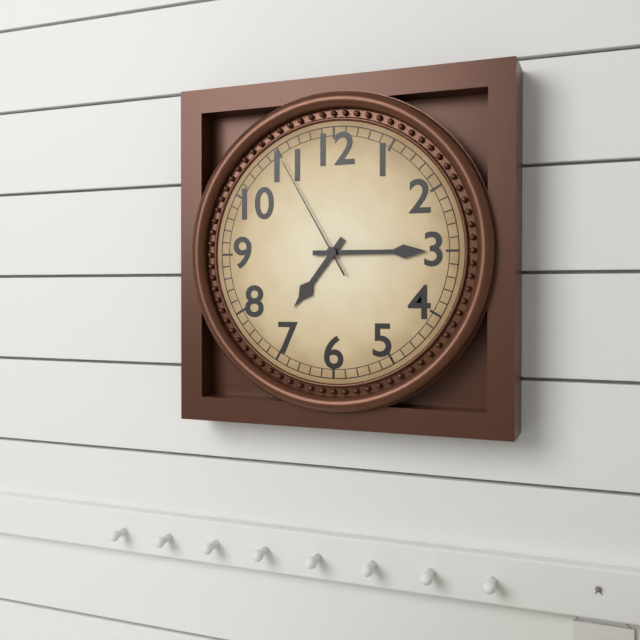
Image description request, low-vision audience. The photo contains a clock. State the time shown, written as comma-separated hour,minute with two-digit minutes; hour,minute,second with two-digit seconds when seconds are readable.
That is 7,15,55
